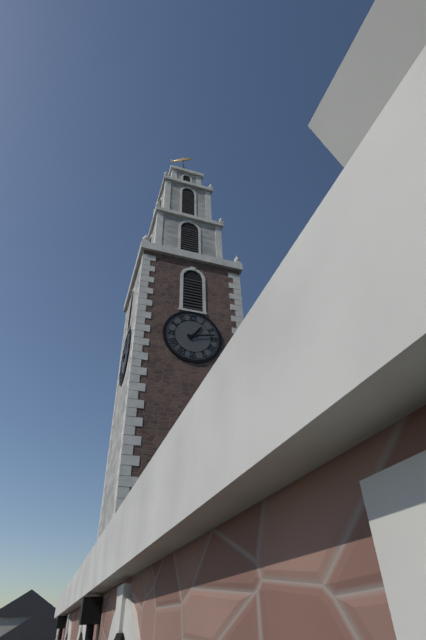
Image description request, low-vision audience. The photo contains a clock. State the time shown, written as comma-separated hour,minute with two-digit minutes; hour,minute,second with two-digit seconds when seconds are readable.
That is 1,13
